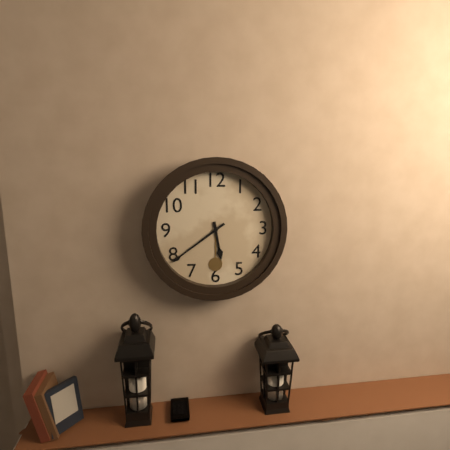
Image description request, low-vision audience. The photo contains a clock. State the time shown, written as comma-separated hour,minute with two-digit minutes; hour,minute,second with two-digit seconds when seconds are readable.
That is 5,39
